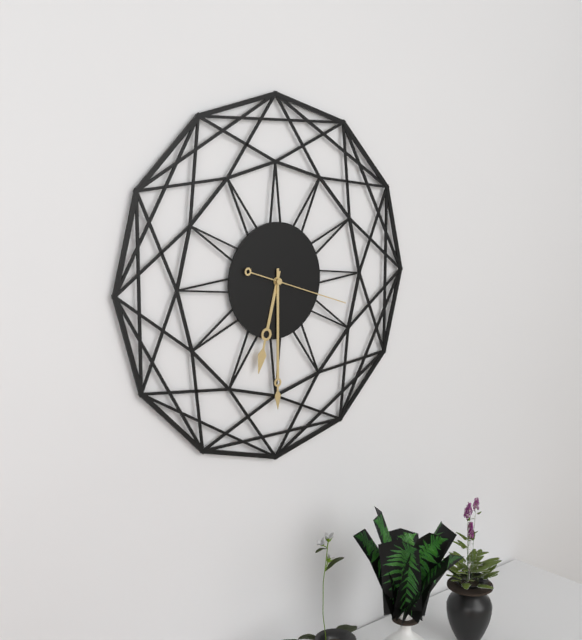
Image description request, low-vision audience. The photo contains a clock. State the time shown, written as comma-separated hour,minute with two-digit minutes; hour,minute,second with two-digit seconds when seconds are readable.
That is 6,30,18
